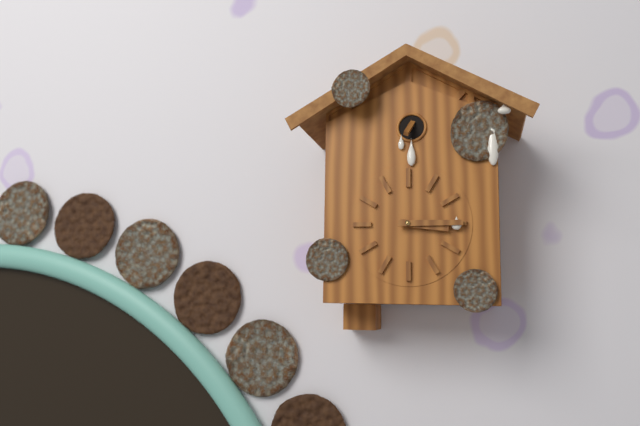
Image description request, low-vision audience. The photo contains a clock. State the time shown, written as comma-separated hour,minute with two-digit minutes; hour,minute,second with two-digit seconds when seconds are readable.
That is 3,15
